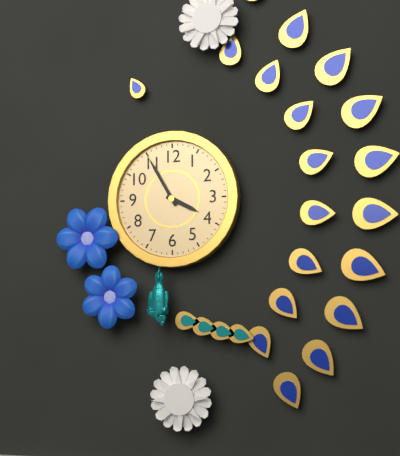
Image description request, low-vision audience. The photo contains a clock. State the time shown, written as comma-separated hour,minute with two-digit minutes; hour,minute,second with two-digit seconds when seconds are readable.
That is 3,55
